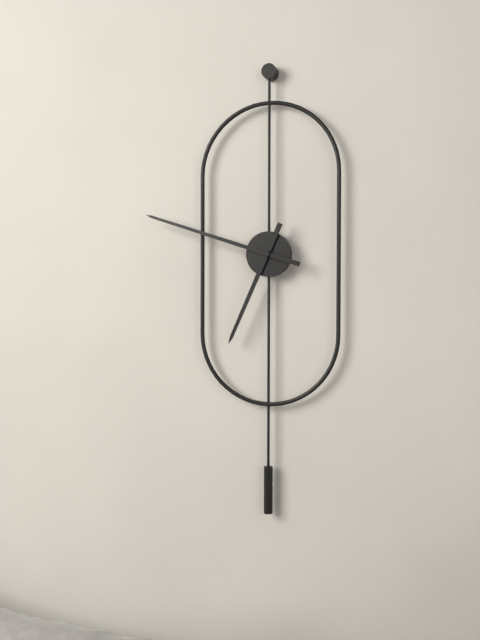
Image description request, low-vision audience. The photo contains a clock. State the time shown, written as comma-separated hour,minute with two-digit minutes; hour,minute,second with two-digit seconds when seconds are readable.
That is 6,48
